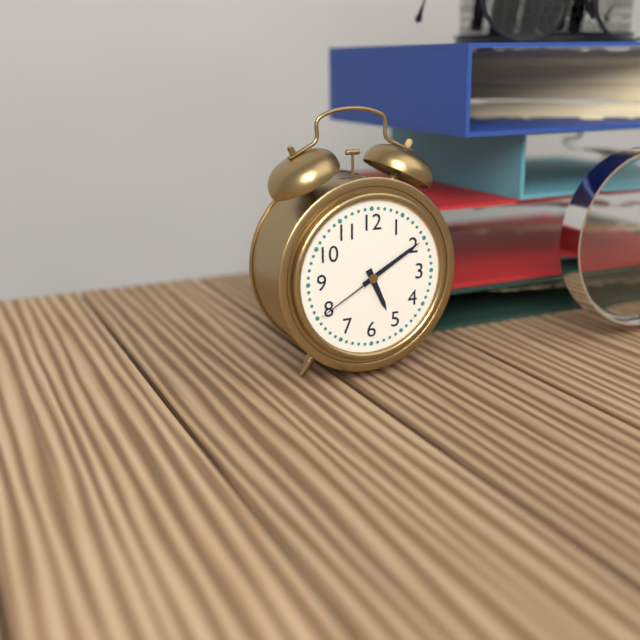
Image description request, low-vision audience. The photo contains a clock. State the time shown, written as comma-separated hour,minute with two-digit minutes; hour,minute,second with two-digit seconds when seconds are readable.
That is 5,10,40
